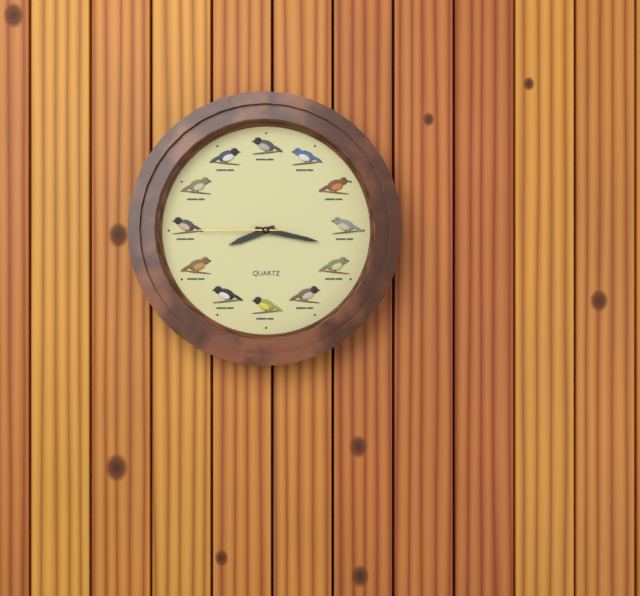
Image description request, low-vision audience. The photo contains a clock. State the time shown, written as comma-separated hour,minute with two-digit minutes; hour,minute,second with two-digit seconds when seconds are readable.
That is 8,17,45
